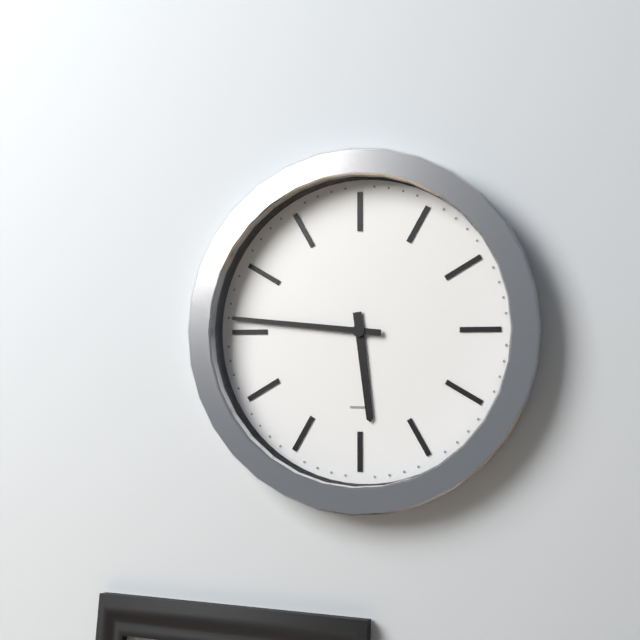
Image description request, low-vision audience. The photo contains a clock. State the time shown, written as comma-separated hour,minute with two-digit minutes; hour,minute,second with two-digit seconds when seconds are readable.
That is 5,46
